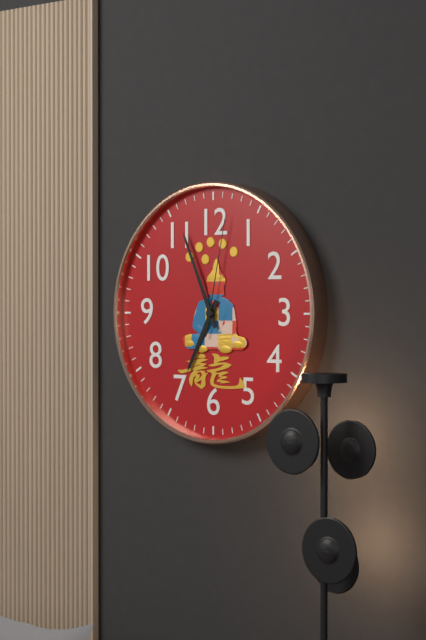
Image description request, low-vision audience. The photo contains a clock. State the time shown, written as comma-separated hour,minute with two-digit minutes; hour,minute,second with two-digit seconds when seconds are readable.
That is 6,56,02
